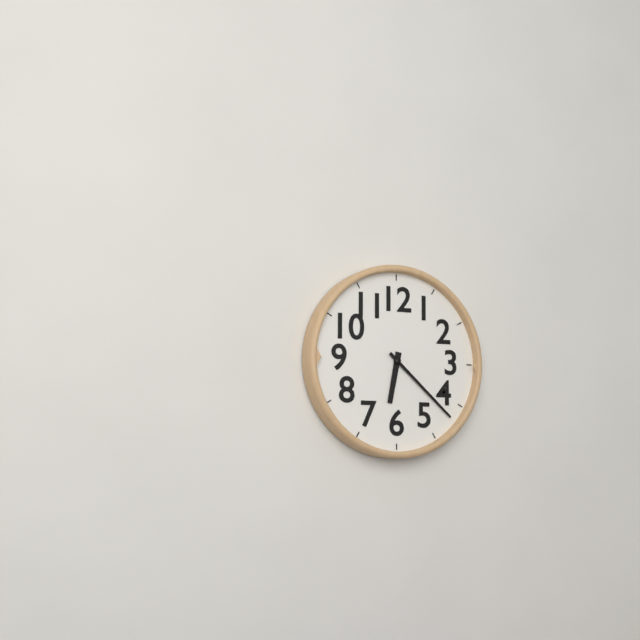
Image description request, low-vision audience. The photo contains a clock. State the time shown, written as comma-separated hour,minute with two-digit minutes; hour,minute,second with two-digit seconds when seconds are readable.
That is 6,22
